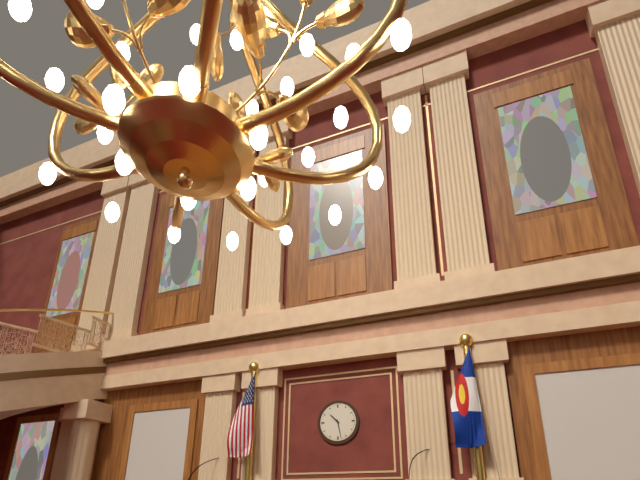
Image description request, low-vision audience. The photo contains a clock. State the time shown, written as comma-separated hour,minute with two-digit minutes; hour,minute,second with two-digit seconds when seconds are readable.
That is 10,28
